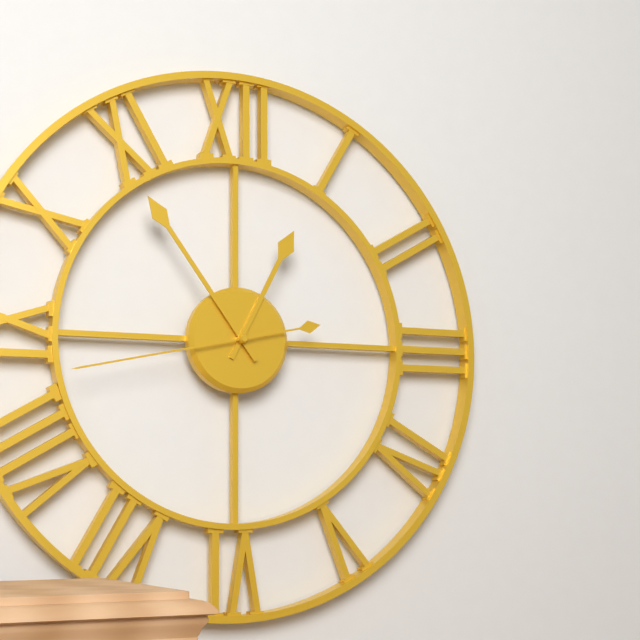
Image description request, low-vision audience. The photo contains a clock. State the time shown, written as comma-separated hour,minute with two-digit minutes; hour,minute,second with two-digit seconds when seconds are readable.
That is 12,54,43
